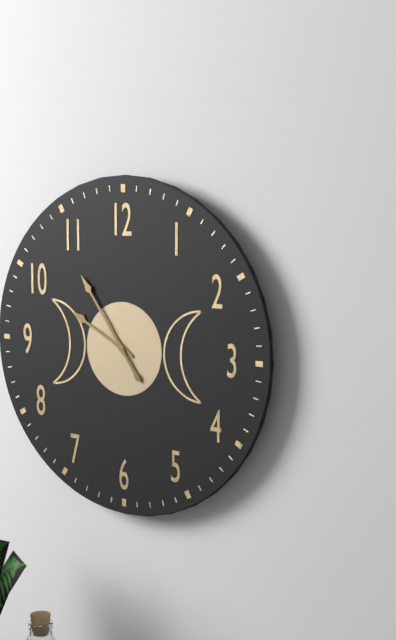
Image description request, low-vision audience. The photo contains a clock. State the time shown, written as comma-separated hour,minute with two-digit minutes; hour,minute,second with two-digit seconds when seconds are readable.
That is 9,54
